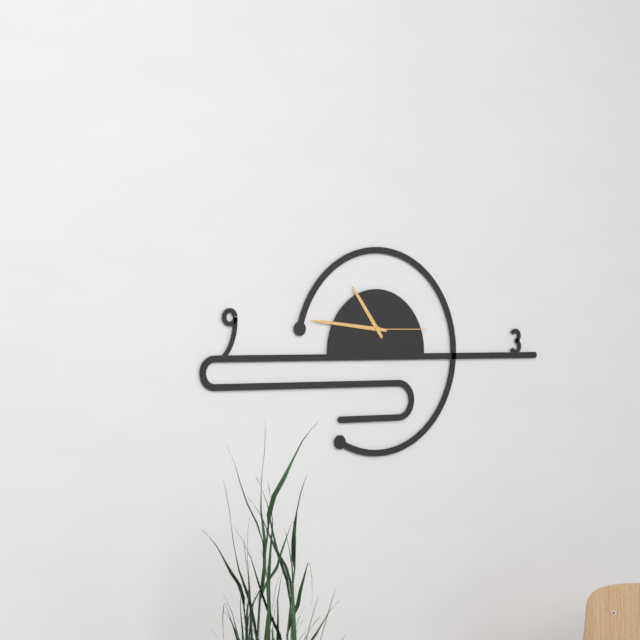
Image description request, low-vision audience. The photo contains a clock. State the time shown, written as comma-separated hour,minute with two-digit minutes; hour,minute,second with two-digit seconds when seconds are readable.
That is 10,46,15
